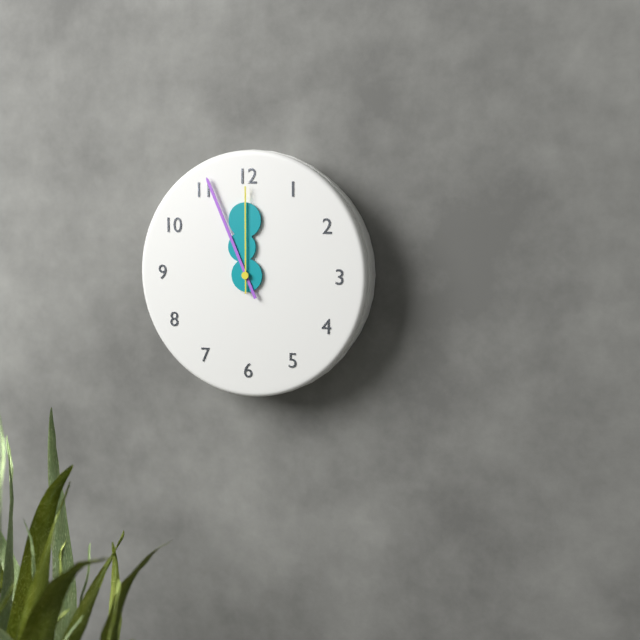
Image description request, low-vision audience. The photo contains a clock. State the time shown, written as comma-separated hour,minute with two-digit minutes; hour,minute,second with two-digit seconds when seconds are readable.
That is 11,56,00
